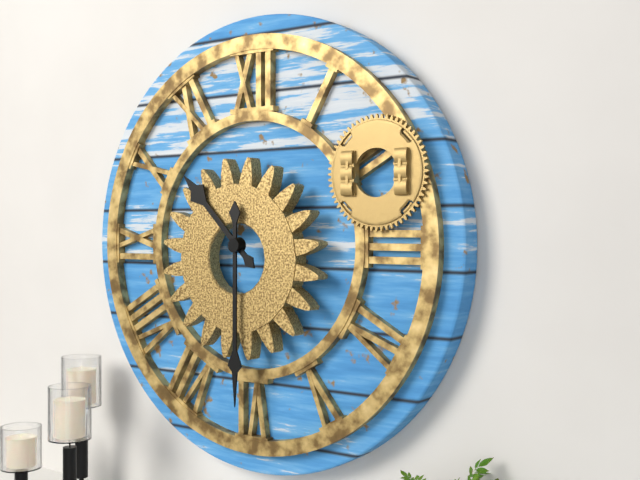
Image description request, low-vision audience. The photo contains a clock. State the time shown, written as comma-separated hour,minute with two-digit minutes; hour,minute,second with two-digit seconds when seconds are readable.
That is 10,30
